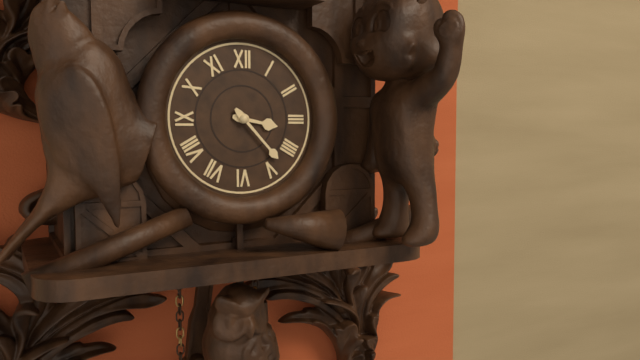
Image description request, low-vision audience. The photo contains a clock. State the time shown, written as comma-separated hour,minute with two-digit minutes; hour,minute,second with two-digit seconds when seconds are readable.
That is 3,23
